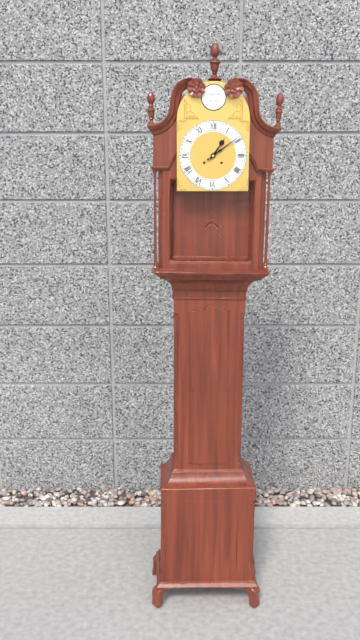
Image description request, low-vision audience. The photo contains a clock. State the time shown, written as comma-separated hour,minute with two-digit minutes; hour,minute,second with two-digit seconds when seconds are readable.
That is 1,09
